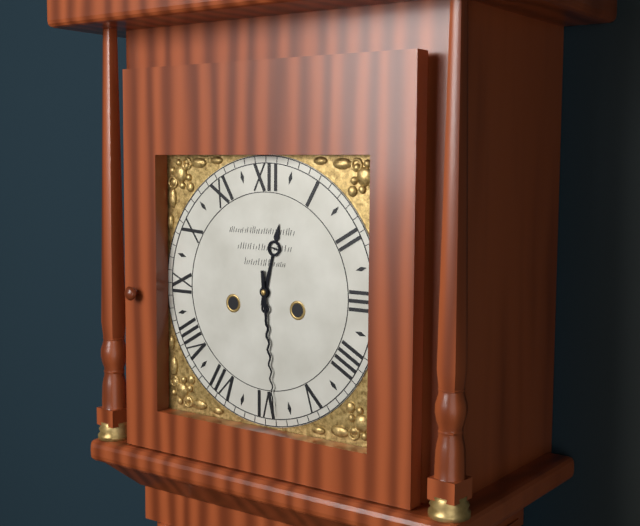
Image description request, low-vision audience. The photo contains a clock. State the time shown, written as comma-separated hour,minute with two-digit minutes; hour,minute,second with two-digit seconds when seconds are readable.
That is 12,29
